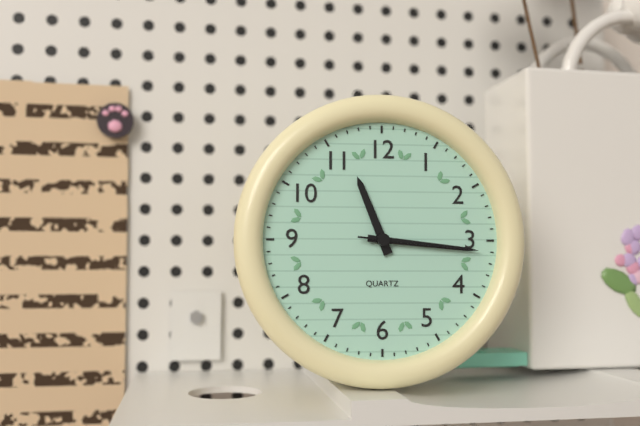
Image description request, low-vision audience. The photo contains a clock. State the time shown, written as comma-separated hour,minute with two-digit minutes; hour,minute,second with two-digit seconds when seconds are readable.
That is 11,16,16
